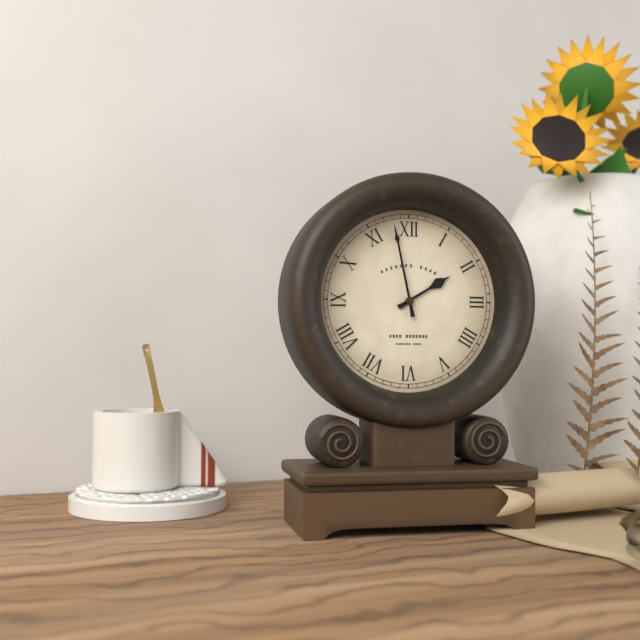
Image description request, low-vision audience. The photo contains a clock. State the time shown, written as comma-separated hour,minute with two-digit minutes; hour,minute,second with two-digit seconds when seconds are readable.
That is 1,58
